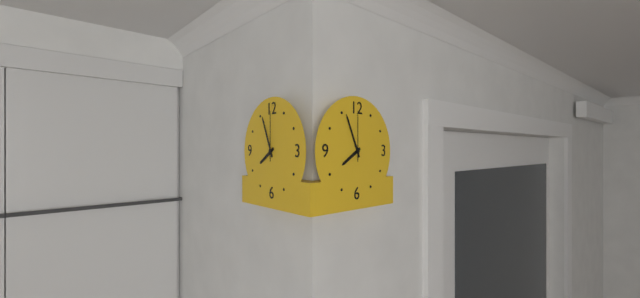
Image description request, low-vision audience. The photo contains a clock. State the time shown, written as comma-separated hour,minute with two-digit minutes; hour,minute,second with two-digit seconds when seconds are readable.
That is 7,56,00
